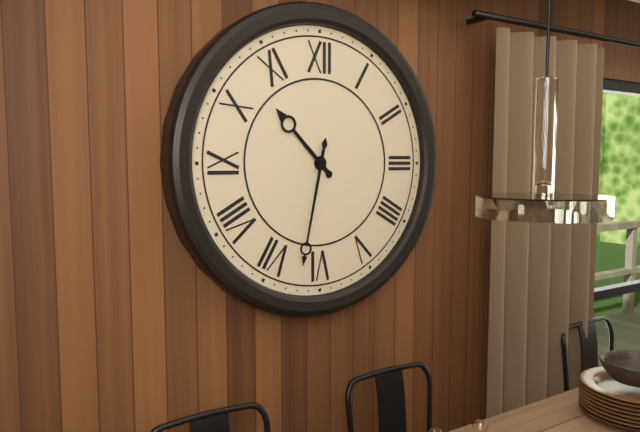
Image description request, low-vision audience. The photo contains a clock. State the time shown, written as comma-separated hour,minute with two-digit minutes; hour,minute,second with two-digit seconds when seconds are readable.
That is 10,32
